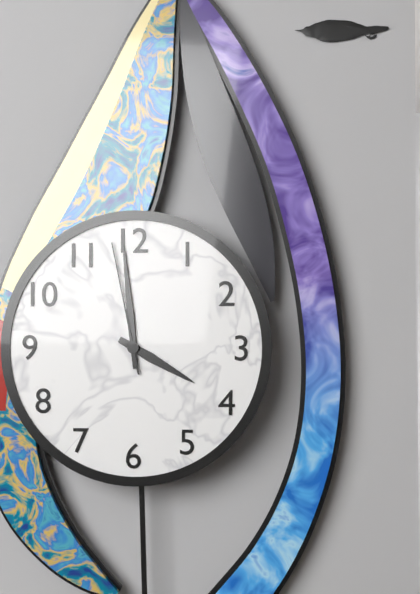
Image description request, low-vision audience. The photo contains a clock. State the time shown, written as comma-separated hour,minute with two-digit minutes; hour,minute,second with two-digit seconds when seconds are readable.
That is 3,59,58
